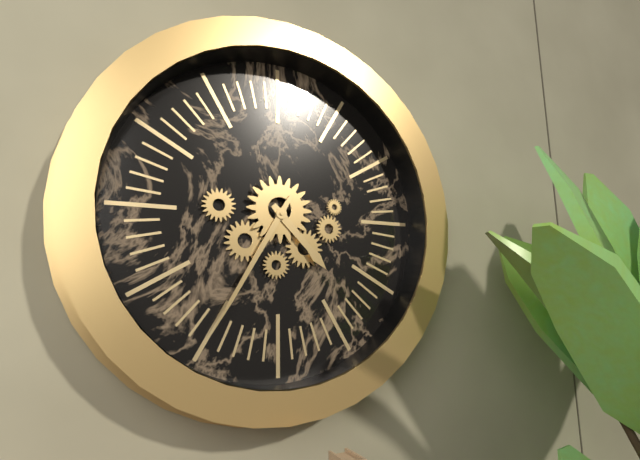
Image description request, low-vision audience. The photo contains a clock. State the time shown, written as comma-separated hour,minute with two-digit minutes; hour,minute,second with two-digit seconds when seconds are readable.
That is 4,35
